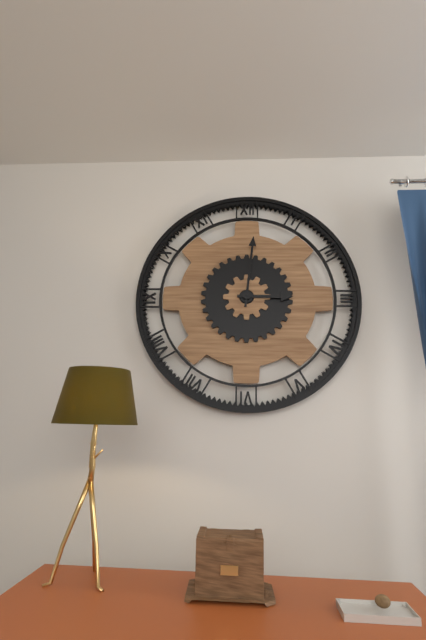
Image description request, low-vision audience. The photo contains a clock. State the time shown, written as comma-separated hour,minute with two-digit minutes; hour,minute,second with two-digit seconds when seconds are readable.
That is 3,01
